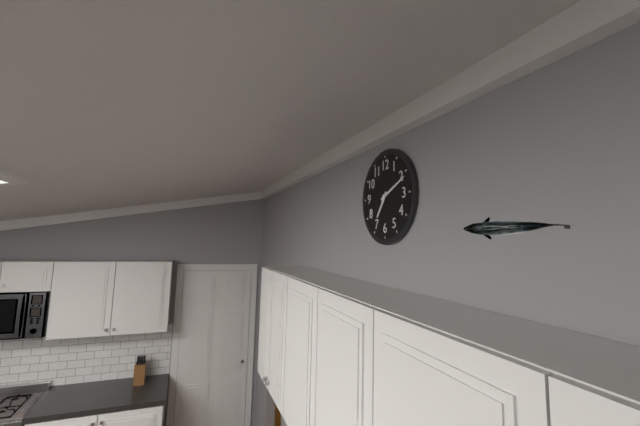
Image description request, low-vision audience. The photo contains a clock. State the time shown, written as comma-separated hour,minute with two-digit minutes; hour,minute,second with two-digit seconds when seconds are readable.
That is 7,11
